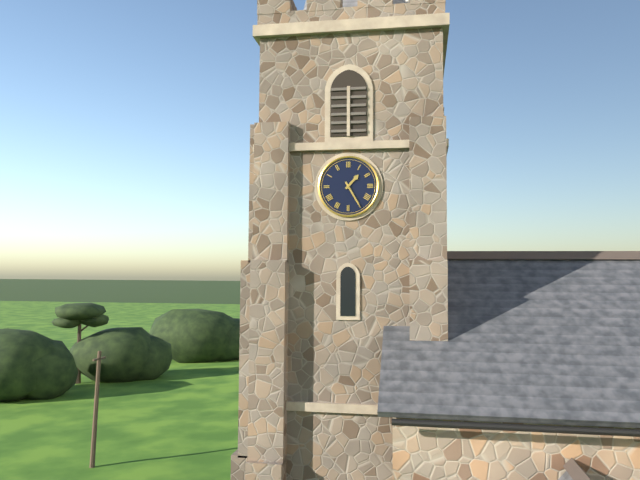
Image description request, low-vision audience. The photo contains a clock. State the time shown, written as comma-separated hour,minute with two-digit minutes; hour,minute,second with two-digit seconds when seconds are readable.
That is 1,25
